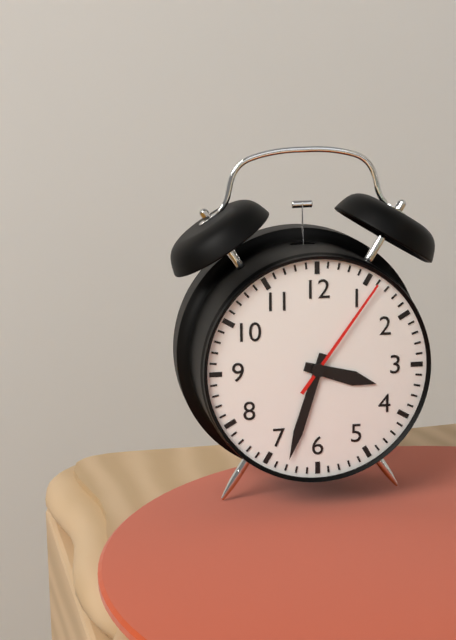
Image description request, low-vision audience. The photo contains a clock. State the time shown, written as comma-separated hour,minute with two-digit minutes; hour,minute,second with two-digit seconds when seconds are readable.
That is 3,33,06
